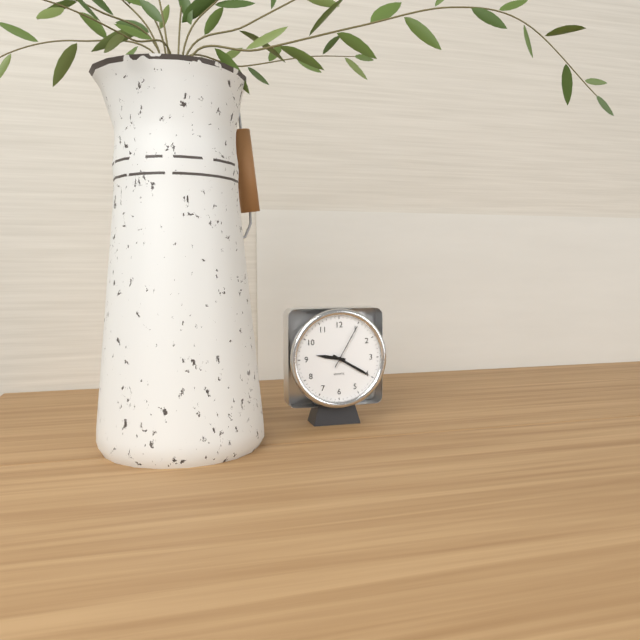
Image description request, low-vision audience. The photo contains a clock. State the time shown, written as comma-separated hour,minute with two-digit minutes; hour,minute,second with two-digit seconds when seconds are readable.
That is 9,20
